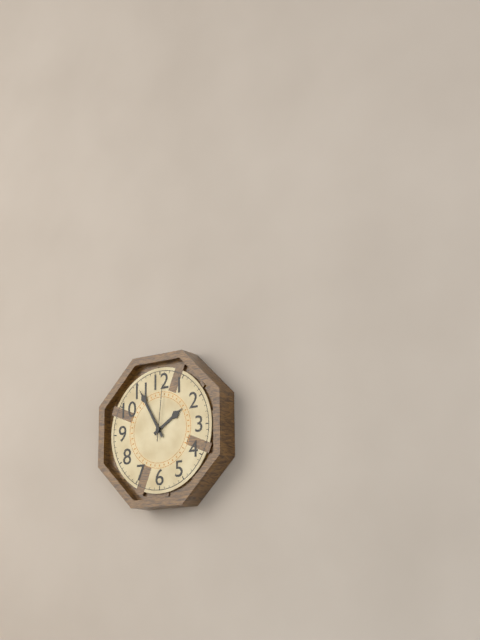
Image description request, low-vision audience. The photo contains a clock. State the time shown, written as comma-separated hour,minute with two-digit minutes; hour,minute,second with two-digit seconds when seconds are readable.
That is 1,55,01
